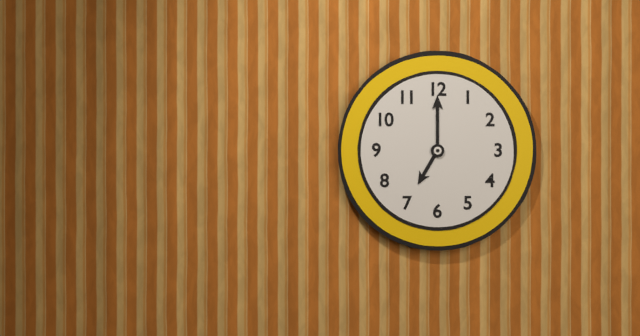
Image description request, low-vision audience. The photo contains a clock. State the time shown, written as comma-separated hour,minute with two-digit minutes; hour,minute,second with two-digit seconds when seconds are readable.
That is 7,00
